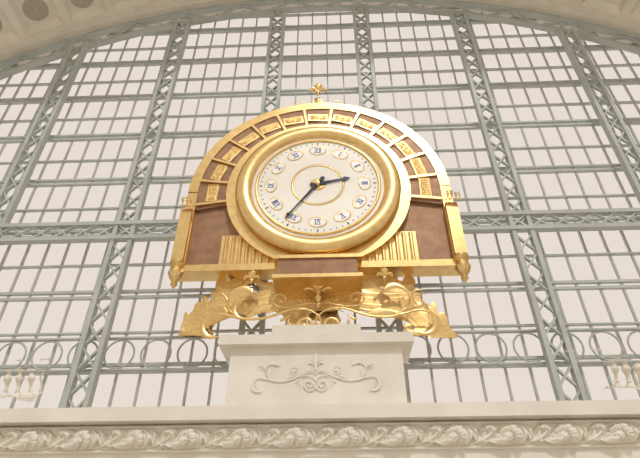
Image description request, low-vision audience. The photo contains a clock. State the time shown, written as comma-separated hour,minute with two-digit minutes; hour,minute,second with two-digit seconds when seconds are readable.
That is 2,36
